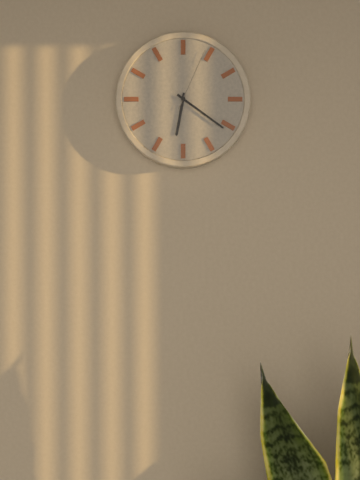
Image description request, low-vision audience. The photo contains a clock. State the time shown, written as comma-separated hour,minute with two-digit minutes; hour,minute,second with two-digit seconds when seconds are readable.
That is 6,21,04
